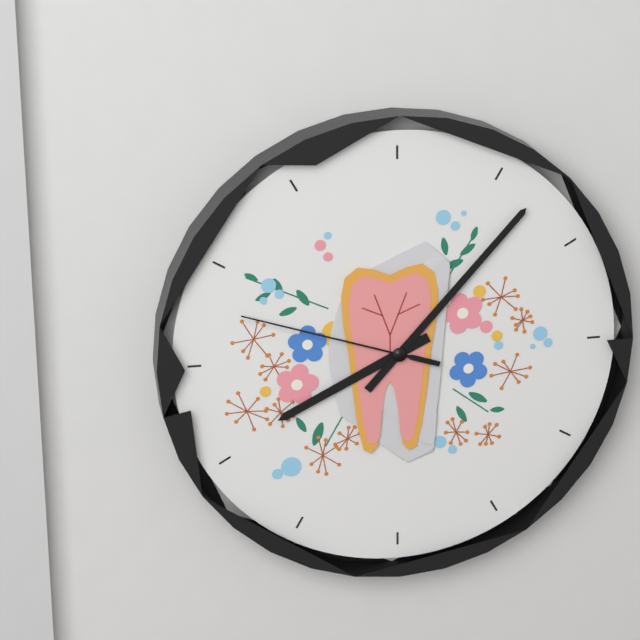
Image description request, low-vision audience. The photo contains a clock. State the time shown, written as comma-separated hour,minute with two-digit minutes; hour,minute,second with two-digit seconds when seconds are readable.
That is 8,07,48
